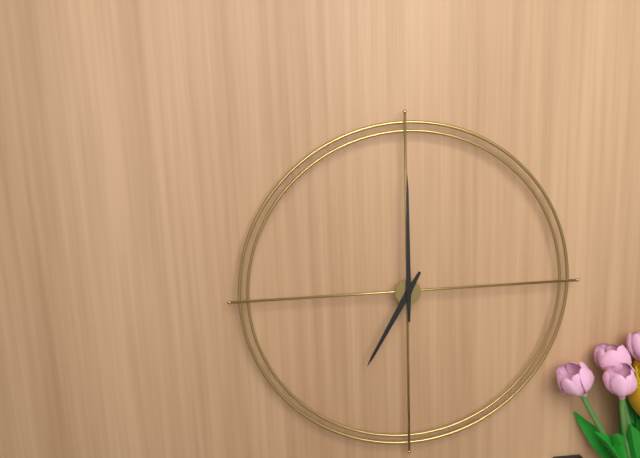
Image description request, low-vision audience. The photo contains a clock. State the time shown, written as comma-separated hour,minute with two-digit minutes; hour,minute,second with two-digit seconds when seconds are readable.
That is 7,00
